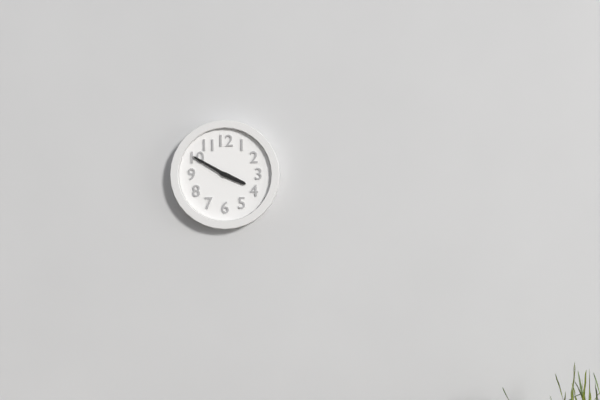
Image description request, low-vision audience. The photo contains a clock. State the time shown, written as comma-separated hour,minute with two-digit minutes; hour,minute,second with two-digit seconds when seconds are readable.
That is 3,50
